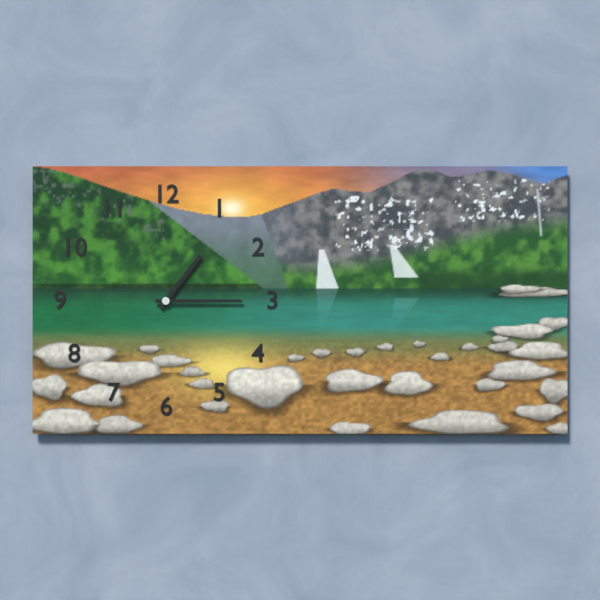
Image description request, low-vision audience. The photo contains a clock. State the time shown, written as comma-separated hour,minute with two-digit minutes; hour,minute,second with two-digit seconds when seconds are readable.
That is 1,15
